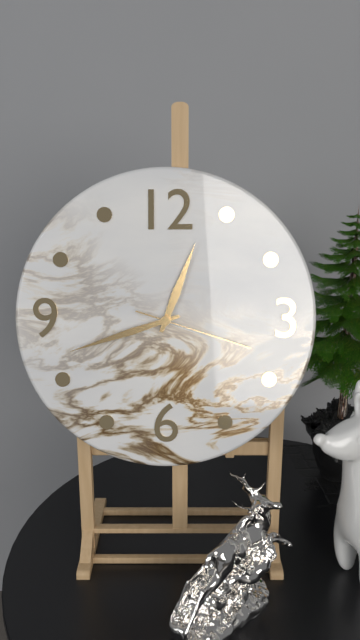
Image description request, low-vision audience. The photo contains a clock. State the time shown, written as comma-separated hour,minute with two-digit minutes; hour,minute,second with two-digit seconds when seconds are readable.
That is 12,42,18
